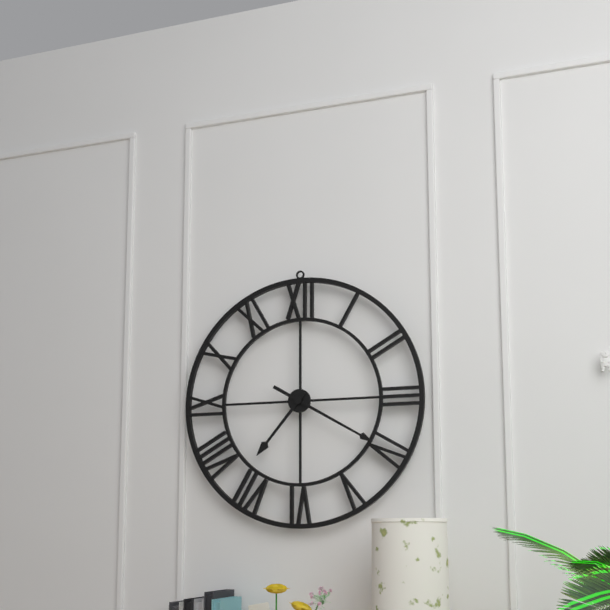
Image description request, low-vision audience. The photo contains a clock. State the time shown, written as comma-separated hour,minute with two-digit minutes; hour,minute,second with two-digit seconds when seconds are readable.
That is 7,20
